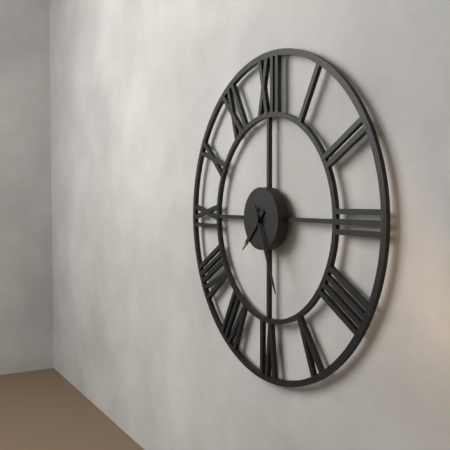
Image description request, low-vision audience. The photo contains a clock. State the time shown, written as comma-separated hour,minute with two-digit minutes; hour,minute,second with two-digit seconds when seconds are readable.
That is 7,26
